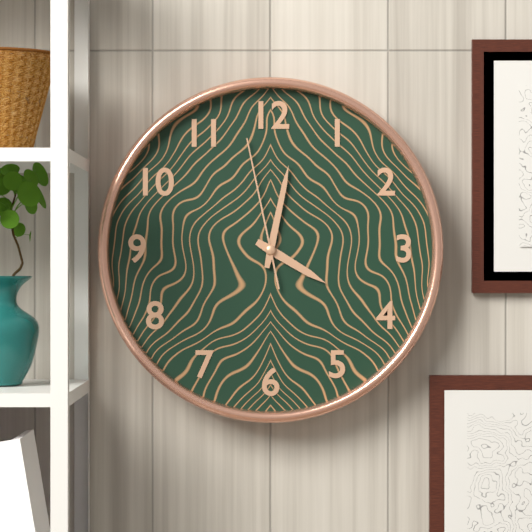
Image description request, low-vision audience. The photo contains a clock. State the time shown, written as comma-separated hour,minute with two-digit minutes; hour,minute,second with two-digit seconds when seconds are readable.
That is 4,02,58
